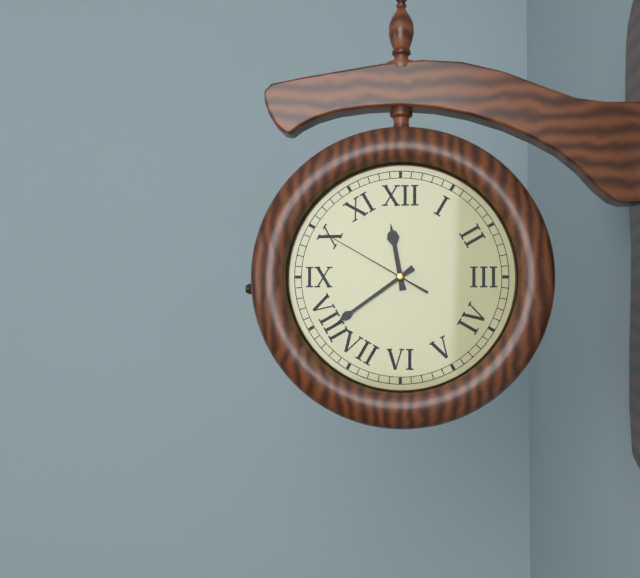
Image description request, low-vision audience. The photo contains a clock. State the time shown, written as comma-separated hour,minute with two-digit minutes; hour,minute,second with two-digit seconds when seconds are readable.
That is 11,39,50
